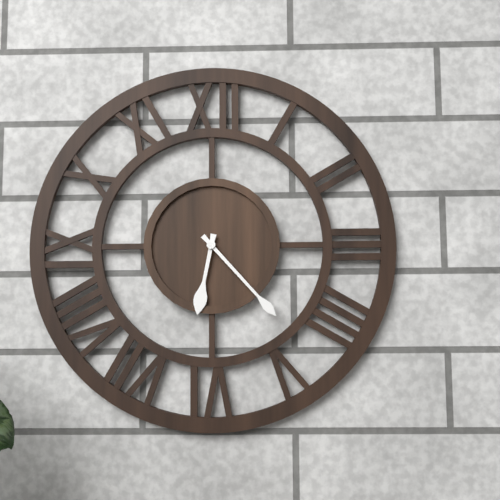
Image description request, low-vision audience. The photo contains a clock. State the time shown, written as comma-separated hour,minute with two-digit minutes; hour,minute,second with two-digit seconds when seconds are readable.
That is 6,23
